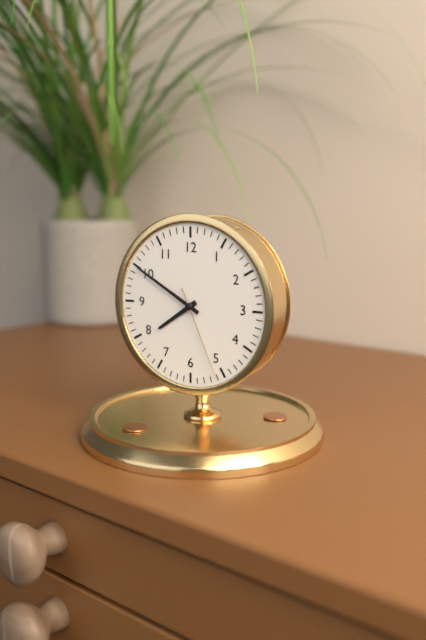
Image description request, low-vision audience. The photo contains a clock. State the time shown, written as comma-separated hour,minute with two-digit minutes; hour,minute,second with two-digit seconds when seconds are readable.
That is 7,50,26
